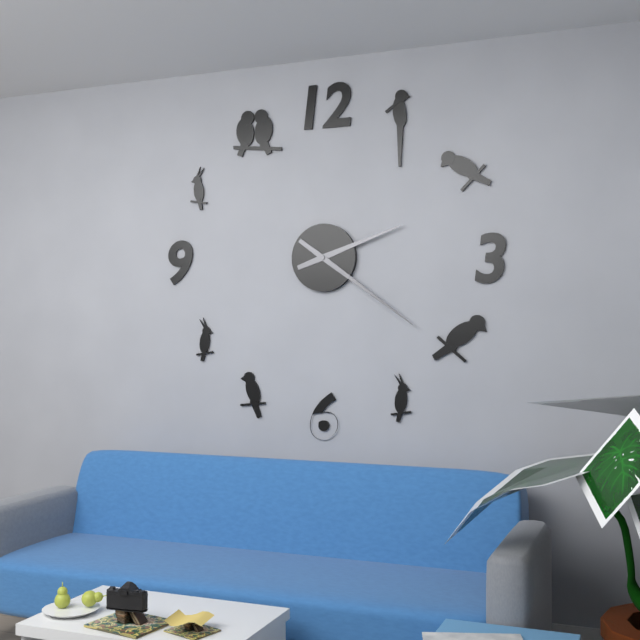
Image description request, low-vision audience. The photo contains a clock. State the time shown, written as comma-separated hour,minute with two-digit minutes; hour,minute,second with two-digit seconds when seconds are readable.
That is 2,21
